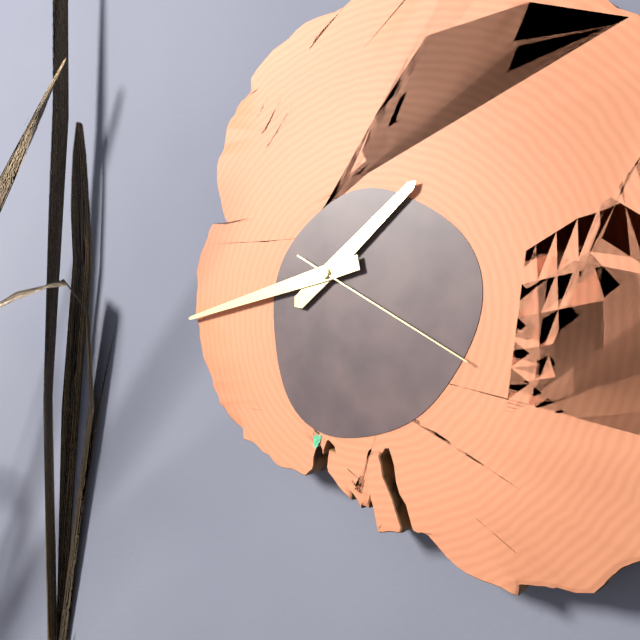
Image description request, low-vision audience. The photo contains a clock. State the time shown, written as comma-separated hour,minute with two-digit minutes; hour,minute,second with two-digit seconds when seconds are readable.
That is 1,43,20
